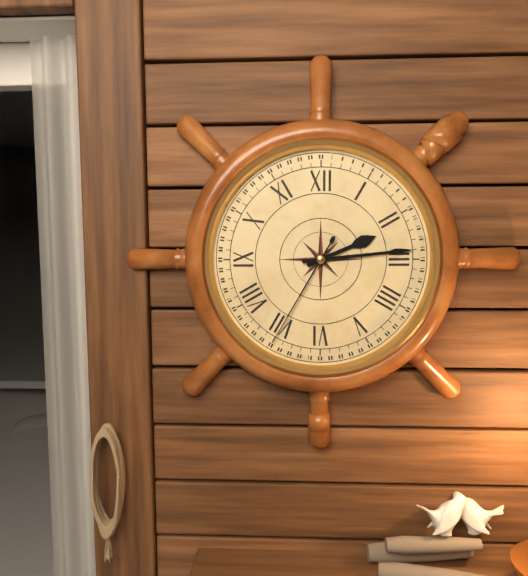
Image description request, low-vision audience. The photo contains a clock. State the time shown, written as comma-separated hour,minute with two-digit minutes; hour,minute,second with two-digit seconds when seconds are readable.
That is 2,14,35
